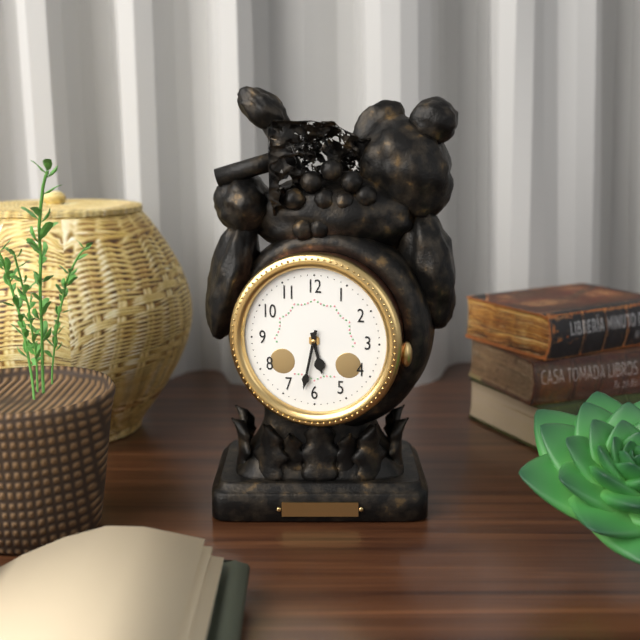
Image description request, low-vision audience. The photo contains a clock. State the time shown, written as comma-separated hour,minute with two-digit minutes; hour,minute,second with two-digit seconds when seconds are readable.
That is 5,32
